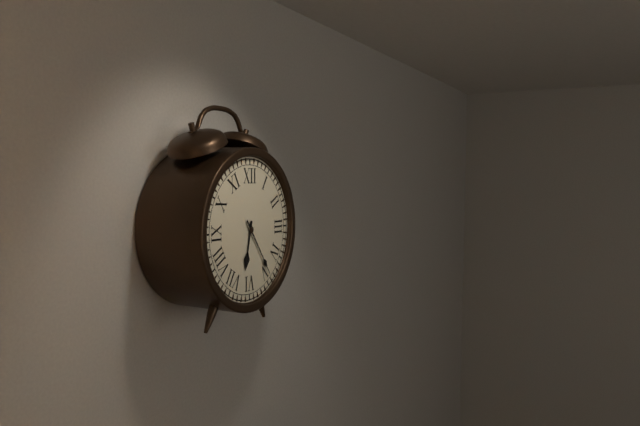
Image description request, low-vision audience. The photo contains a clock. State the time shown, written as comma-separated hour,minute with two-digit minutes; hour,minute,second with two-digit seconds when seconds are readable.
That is 6,24
